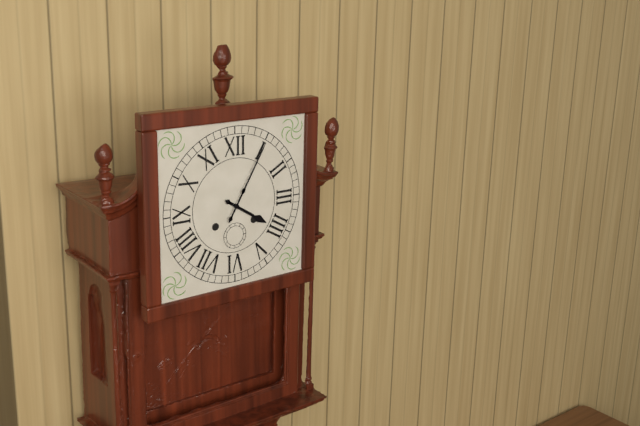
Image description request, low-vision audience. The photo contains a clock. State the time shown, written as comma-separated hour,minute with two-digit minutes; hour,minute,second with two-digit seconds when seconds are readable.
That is 4,05
